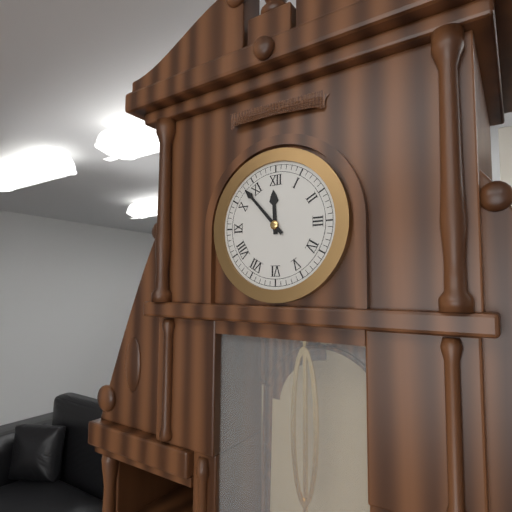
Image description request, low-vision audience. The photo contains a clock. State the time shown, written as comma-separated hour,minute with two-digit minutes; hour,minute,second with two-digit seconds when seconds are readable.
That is 11,53
